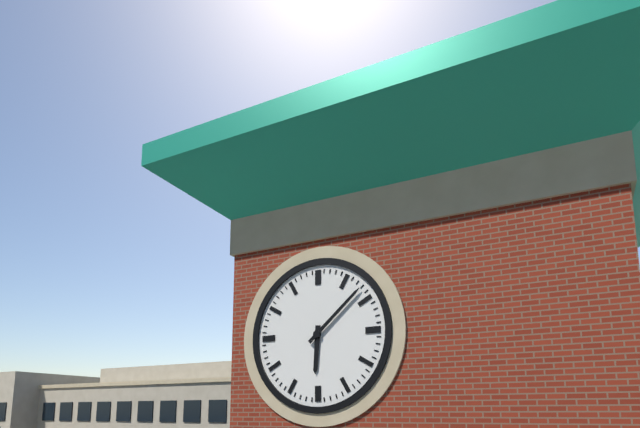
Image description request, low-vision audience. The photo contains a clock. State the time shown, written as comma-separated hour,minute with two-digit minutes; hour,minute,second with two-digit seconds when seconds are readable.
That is 6,08
